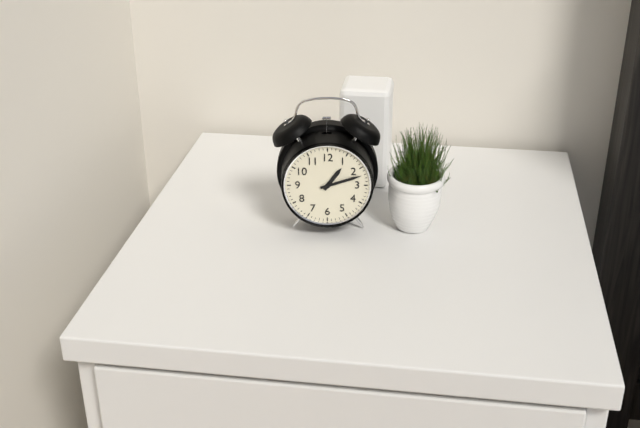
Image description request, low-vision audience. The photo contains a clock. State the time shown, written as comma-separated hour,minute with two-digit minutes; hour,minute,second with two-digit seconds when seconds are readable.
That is 1,12
